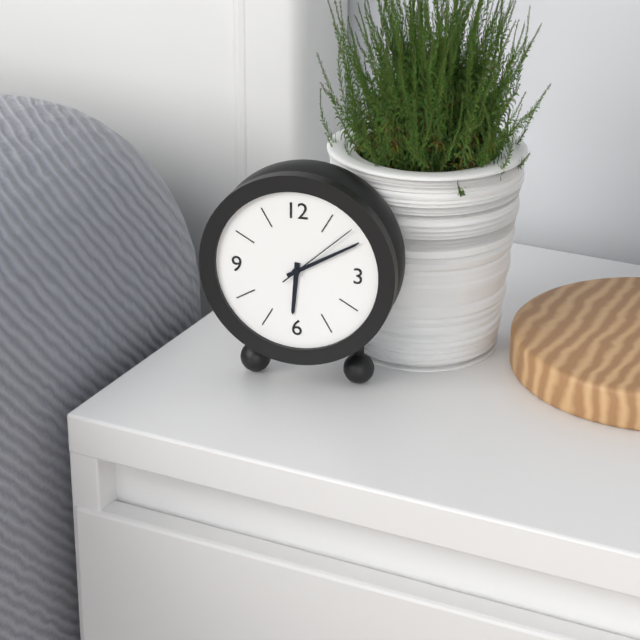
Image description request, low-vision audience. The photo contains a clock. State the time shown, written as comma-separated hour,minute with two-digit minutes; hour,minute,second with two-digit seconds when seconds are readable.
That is 6,10,08
